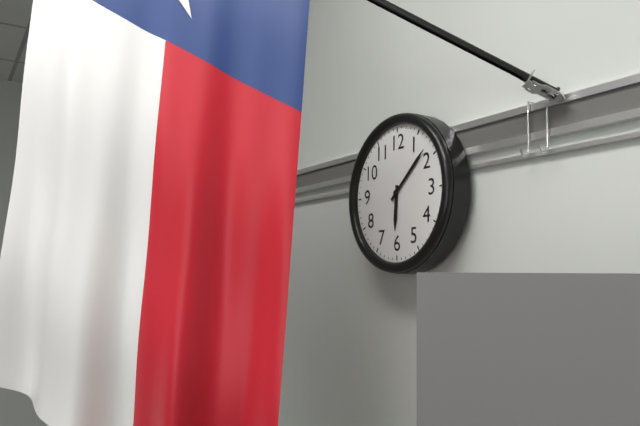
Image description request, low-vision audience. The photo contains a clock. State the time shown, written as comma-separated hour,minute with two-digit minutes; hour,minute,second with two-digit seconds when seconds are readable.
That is 6,08
